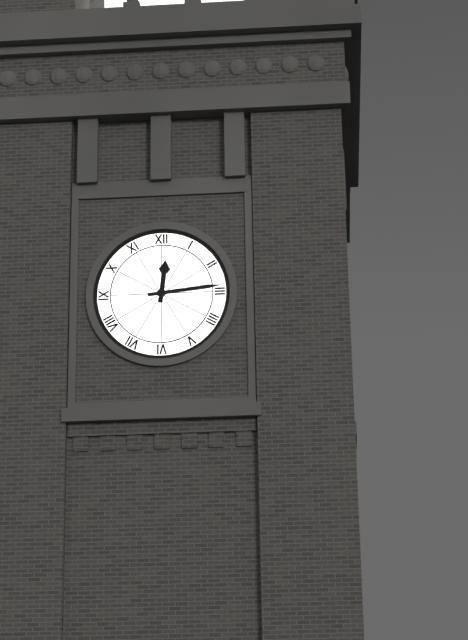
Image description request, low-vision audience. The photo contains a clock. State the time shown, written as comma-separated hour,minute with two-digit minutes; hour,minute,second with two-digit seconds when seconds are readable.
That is 12,14
